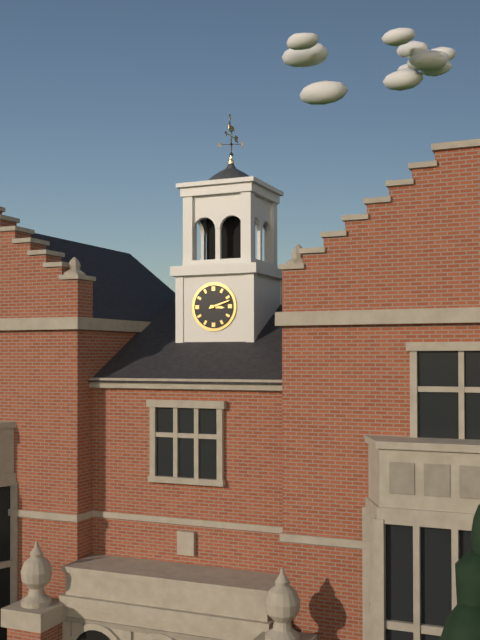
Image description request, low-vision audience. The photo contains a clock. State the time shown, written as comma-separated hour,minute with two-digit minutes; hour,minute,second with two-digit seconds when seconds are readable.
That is 3,12
